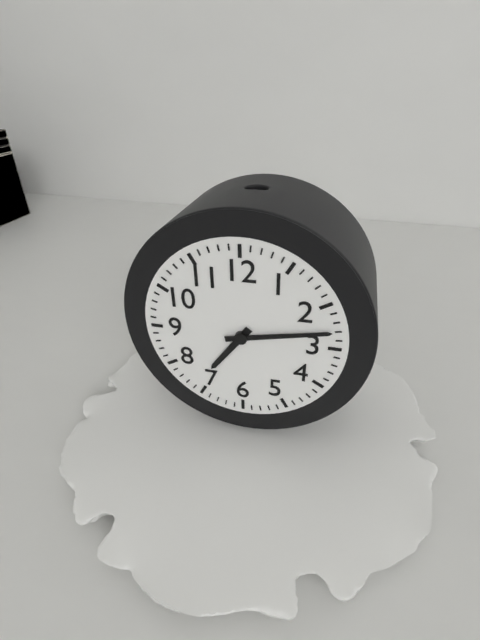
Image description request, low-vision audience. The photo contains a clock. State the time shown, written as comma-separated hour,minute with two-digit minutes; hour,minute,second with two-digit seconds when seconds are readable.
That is 7,13
